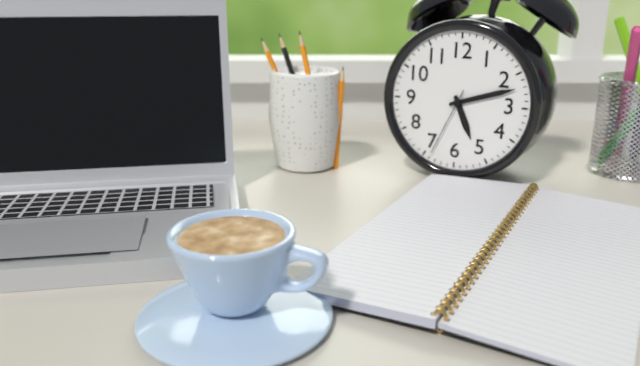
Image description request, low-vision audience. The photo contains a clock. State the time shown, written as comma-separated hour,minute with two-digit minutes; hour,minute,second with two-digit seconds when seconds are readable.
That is 5,12,34
